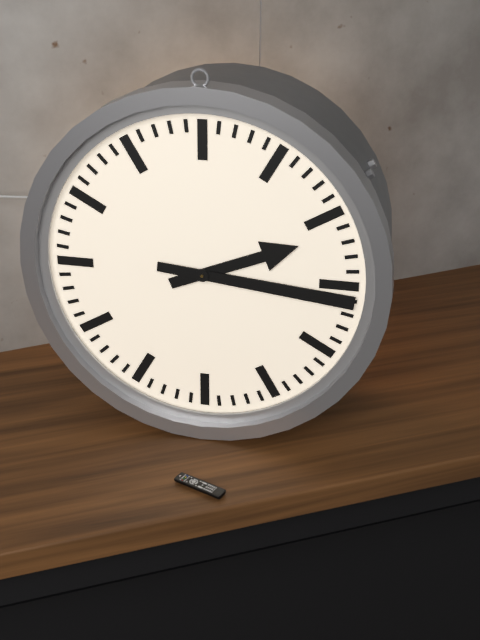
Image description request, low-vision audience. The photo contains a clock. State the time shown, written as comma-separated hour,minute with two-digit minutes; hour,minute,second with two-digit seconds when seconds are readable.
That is 2,16
